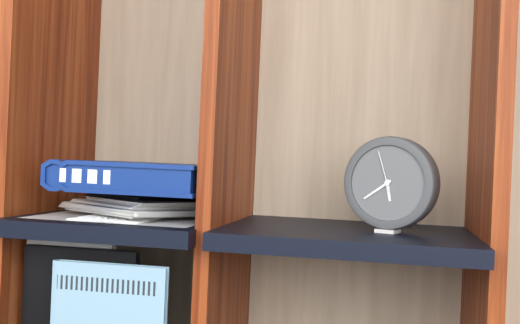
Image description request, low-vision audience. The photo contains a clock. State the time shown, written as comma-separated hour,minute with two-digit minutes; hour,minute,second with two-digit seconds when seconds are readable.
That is 5,39
